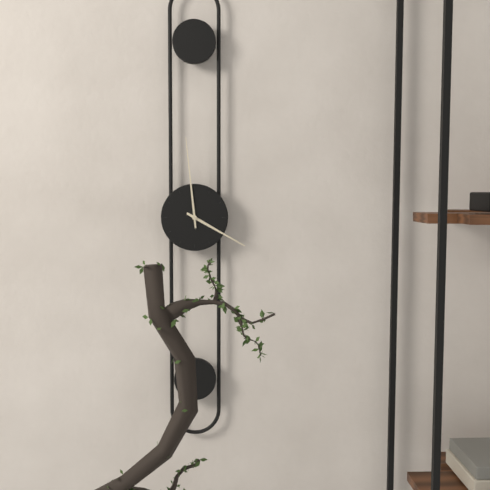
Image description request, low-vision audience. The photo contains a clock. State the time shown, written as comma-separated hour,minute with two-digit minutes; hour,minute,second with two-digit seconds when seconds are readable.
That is 3,59
